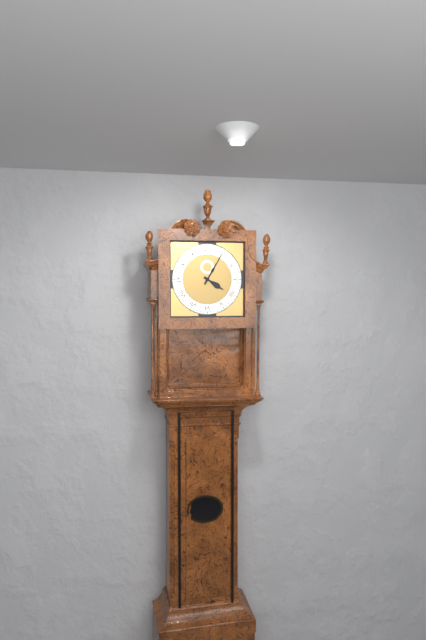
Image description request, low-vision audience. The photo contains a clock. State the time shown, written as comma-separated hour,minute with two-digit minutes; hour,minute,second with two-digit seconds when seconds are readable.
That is 4,05
